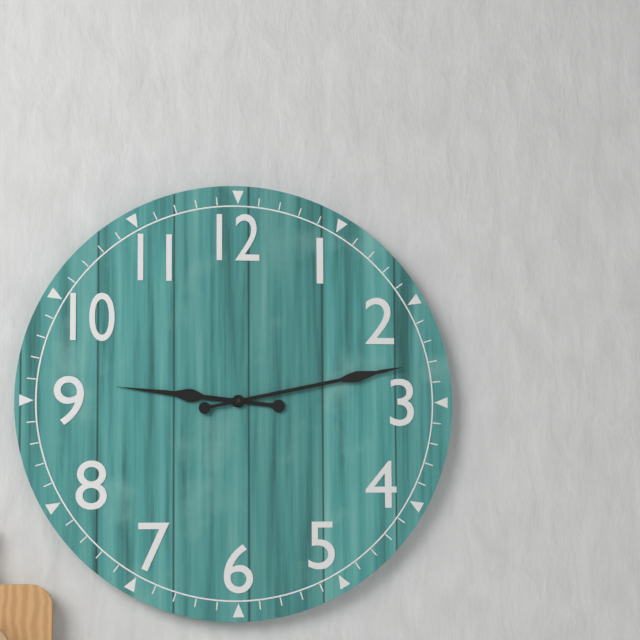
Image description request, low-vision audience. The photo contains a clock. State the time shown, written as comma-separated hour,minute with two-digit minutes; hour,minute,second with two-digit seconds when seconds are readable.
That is 9,13
